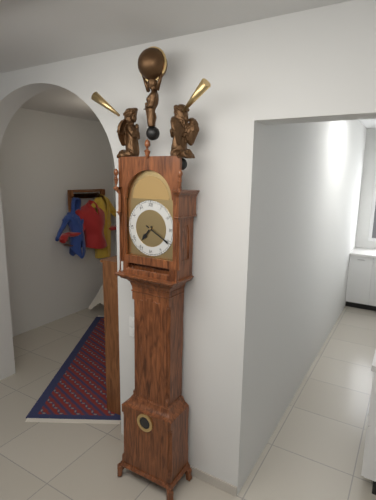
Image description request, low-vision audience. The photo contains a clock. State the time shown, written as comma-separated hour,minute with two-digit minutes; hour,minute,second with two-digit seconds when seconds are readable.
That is 7,20
